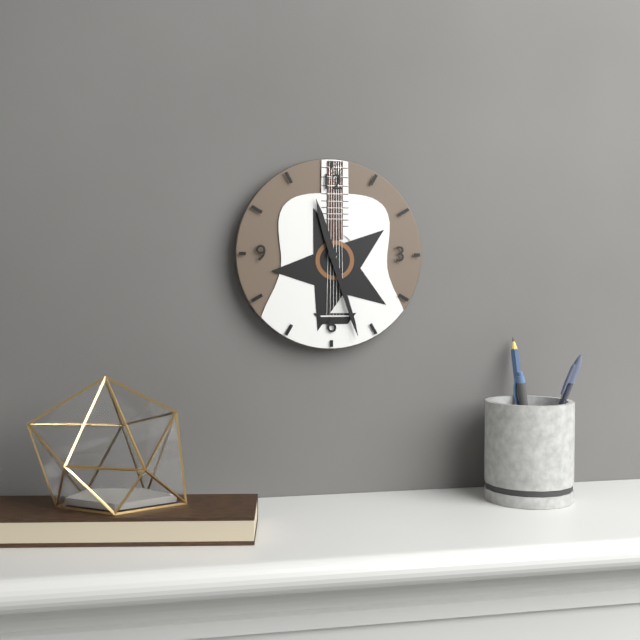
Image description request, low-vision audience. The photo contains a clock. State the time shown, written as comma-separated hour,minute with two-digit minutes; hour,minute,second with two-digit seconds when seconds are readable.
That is 11,27
